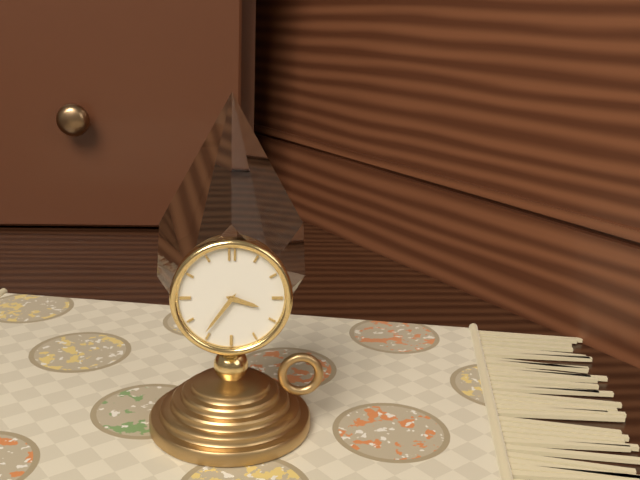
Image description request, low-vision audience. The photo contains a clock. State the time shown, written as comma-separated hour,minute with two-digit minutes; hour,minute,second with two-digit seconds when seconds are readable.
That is 3,36
